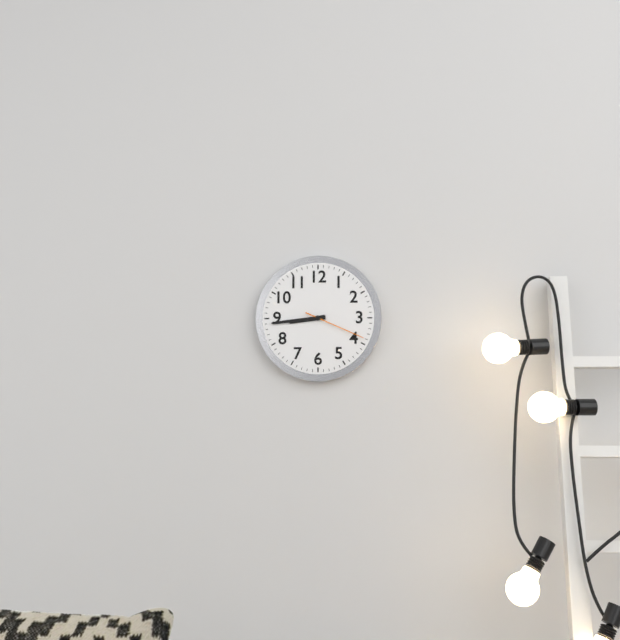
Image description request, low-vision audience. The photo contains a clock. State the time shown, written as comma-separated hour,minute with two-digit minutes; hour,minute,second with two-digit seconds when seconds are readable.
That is 8,44,19
